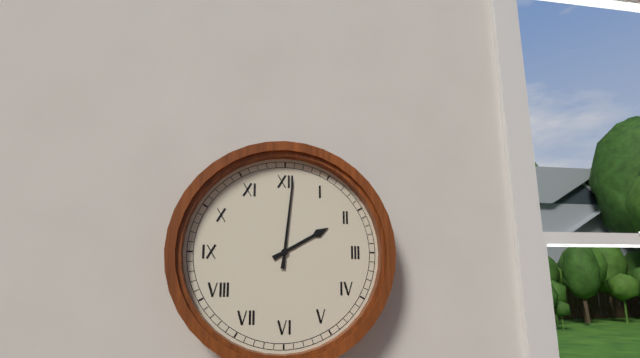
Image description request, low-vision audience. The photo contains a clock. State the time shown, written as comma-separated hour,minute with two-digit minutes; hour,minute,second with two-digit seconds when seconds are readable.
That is 2,01
